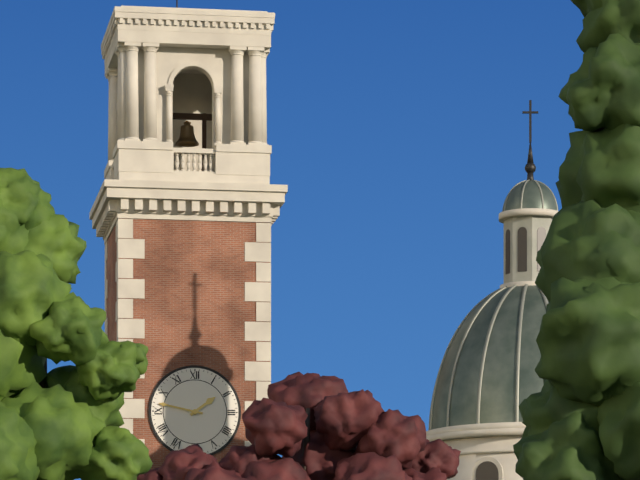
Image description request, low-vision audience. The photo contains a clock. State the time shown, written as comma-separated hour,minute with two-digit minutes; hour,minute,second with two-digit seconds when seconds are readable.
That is 1,47
